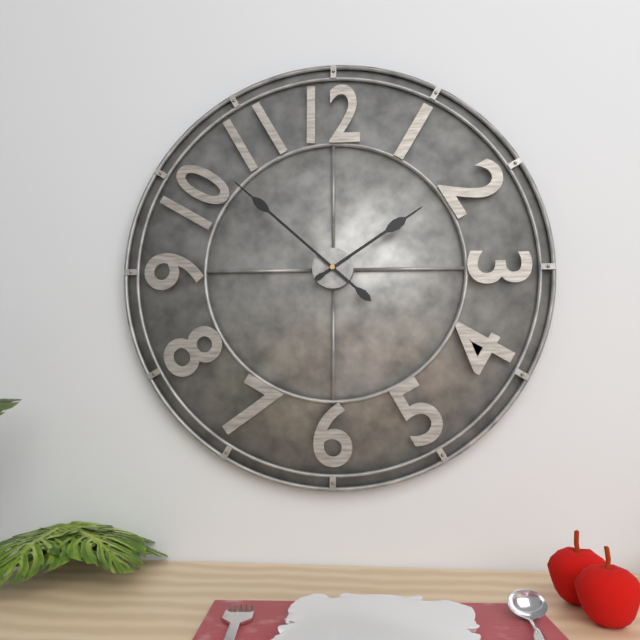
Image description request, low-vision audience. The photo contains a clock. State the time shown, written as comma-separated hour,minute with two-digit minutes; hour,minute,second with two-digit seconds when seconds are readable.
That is 1,52
